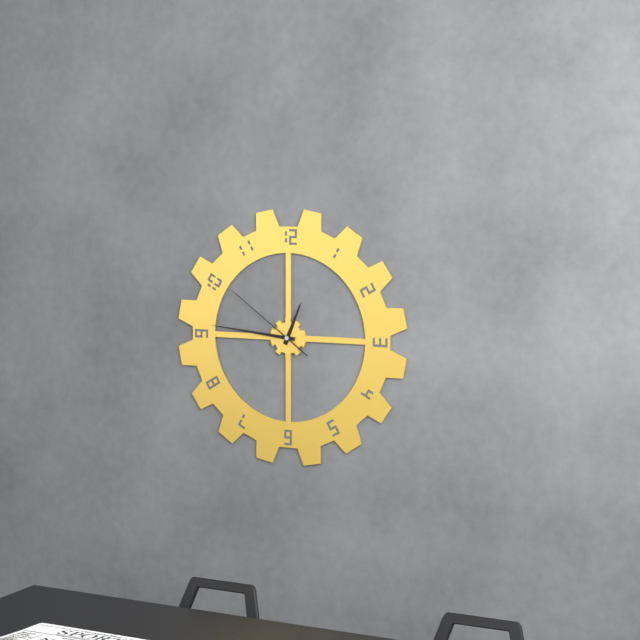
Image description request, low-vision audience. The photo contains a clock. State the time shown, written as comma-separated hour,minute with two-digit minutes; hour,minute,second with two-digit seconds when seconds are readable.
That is 12,46,51
